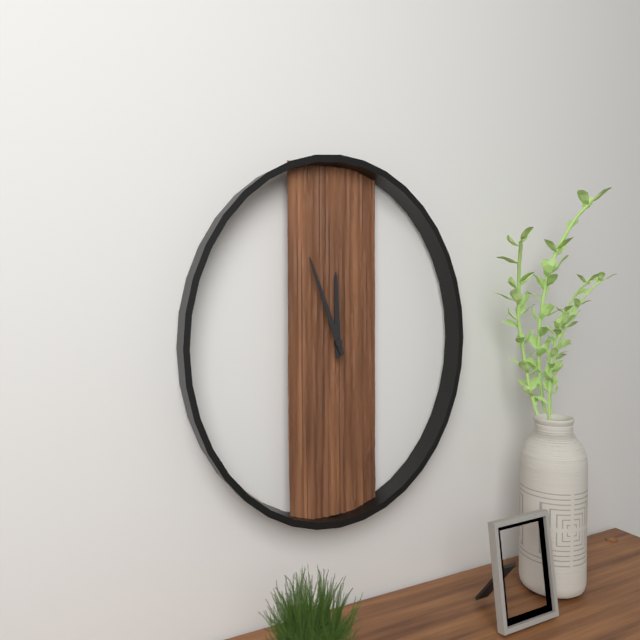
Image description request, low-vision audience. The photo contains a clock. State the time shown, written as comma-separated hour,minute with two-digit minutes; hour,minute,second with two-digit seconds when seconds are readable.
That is 11,56
